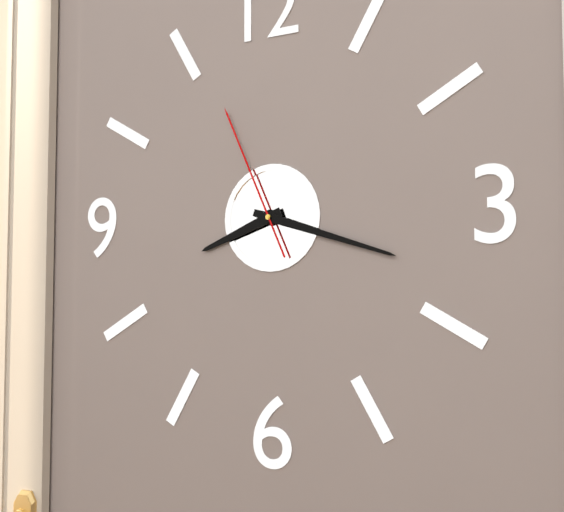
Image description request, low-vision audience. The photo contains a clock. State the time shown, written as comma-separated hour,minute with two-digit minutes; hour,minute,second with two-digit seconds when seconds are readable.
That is 8,18,56
